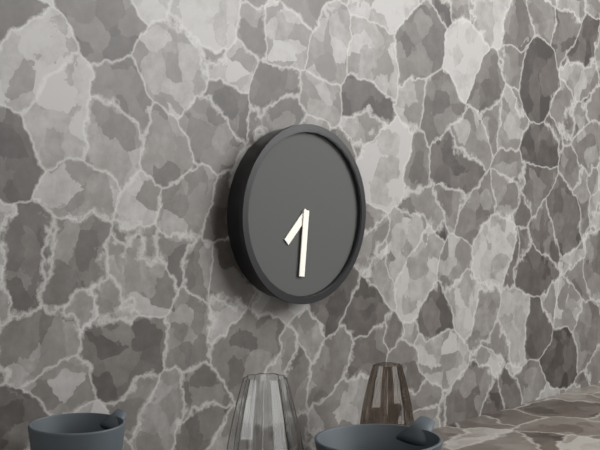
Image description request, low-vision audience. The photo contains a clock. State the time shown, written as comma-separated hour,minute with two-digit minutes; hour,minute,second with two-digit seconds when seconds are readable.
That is 7,31
